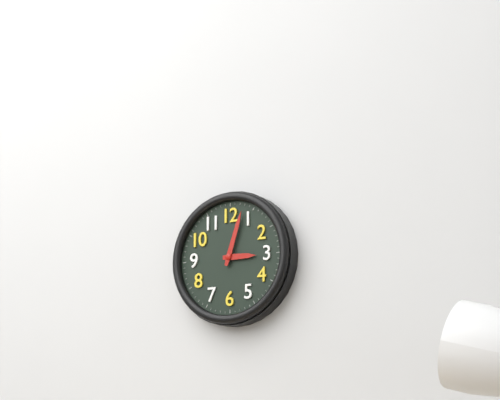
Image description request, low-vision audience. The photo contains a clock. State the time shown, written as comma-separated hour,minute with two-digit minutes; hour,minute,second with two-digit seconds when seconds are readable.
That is 3,03
